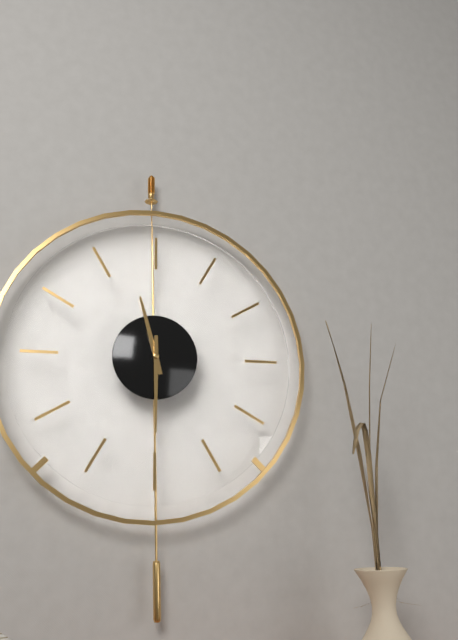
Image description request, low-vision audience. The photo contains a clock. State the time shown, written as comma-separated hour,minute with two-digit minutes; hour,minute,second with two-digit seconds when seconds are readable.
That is 11,30
